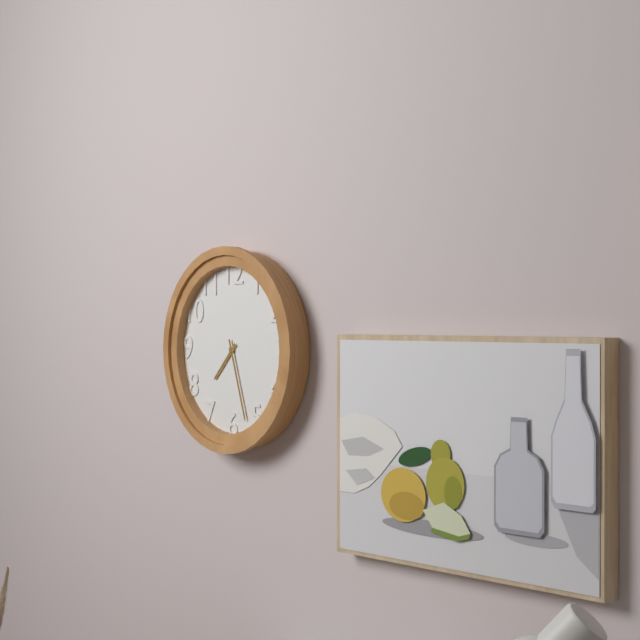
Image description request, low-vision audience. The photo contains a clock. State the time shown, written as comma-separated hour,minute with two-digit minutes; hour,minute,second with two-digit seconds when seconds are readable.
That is 7,27
